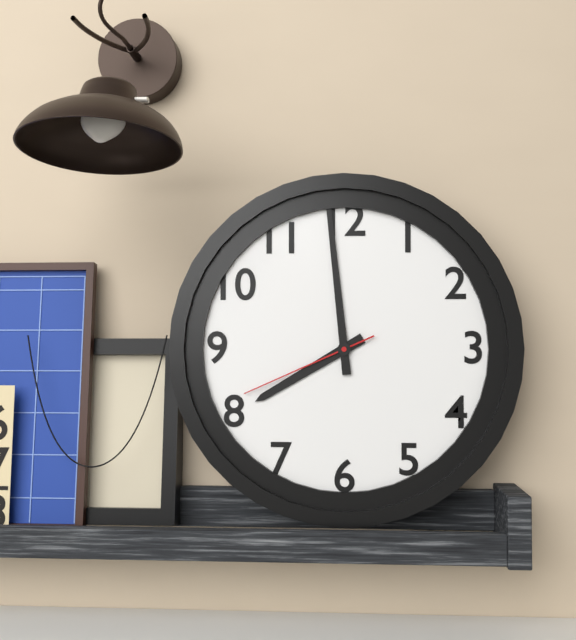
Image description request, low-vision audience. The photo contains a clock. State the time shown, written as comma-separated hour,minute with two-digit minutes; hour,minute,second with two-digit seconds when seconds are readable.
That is 7,59,41
